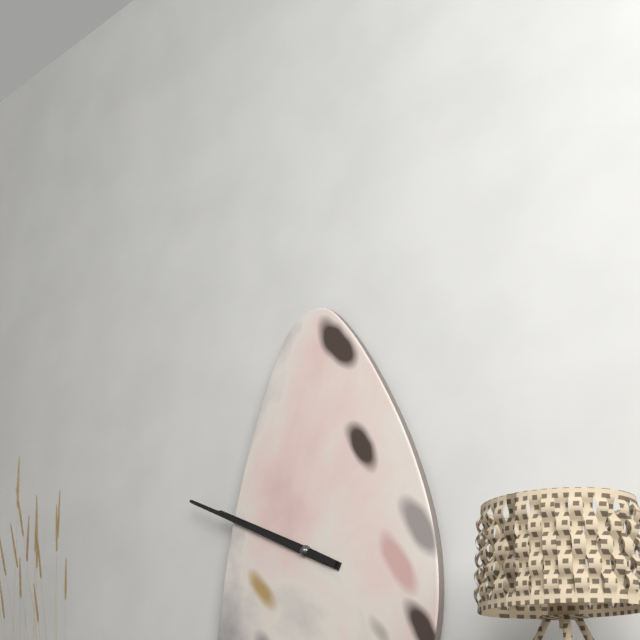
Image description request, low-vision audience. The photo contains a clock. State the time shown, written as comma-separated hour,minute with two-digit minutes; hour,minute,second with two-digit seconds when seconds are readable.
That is 9,49
